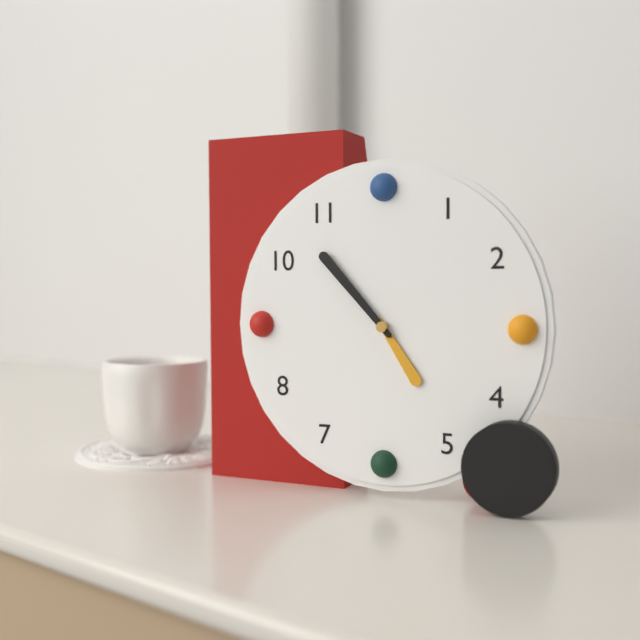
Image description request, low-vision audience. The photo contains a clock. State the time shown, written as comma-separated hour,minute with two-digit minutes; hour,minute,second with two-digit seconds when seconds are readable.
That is 4,53
